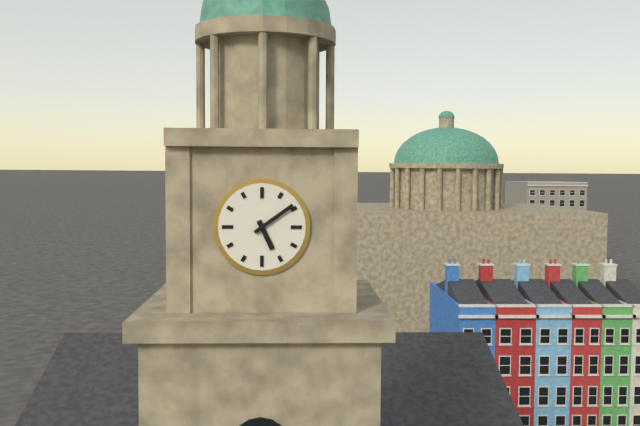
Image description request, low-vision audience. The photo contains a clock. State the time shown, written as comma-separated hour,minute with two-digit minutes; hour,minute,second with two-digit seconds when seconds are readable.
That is 5,09
